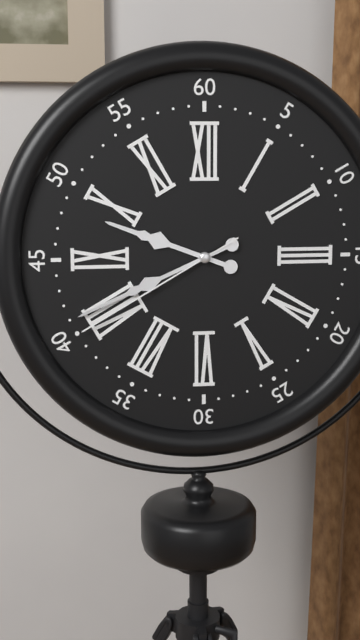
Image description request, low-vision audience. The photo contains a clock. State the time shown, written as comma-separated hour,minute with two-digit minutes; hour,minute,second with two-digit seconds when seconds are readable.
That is 9,41,40
